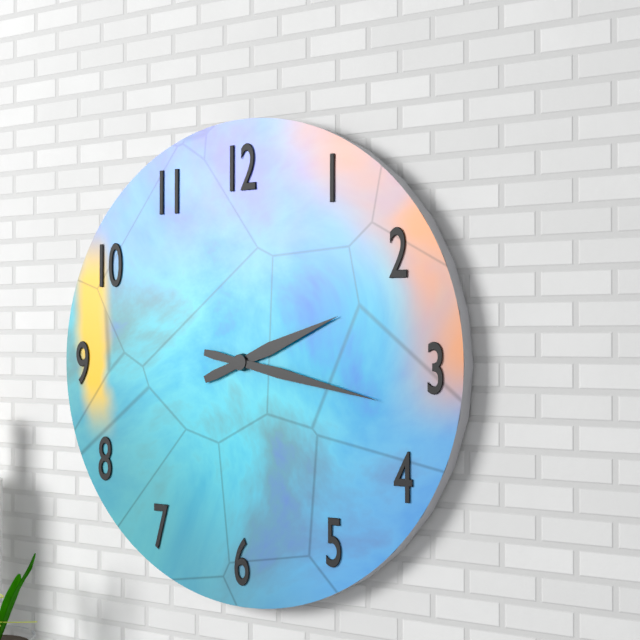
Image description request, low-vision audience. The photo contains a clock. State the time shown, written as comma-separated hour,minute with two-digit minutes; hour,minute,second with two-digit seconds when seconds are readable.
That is 2,17
